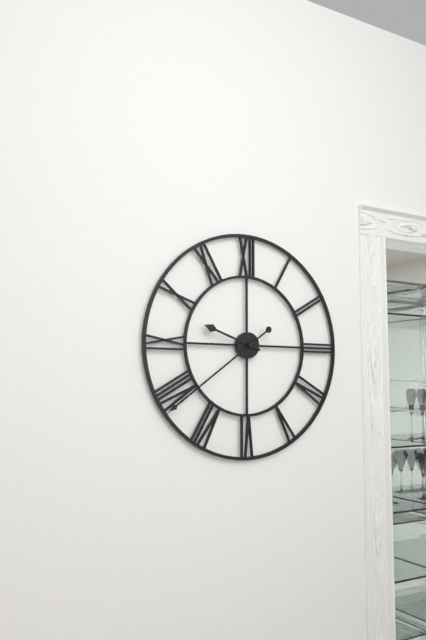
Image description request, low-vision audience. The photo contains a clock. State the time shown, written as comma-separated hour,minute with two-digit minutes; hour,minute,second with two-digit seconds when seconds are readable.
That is 9,39
